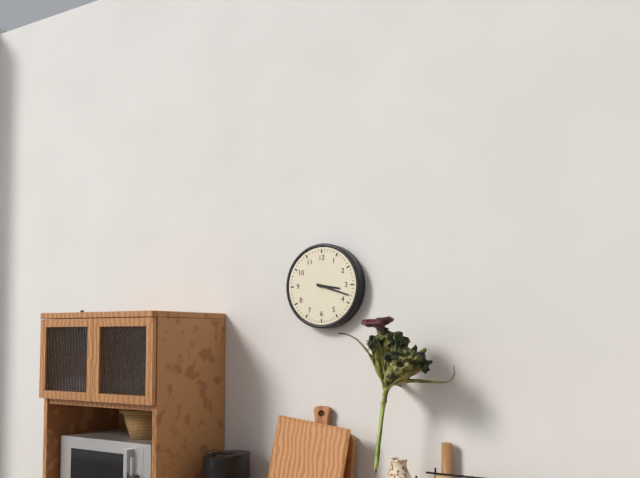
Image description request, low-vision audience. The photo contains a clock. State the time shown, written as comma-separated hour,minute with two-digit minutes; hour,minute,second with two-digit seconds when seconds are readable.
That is 3,18
